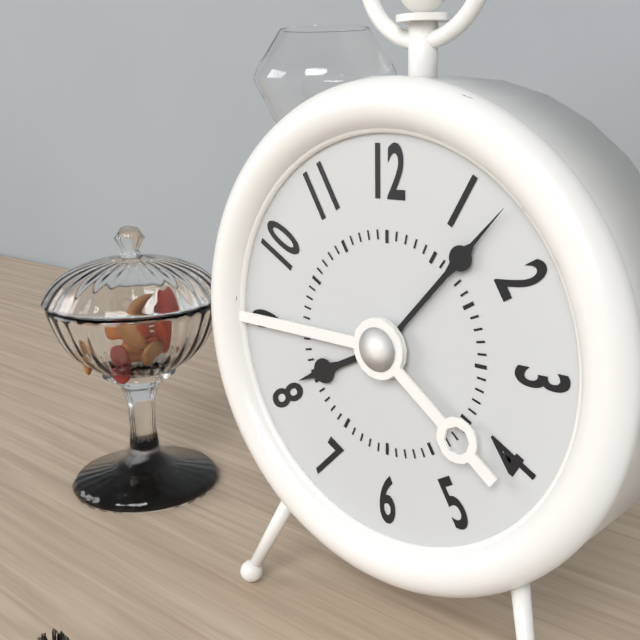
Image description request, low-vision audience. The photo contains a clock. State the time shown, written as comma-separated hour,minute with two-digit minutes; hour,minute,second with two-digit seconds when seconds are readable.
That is 8,07
